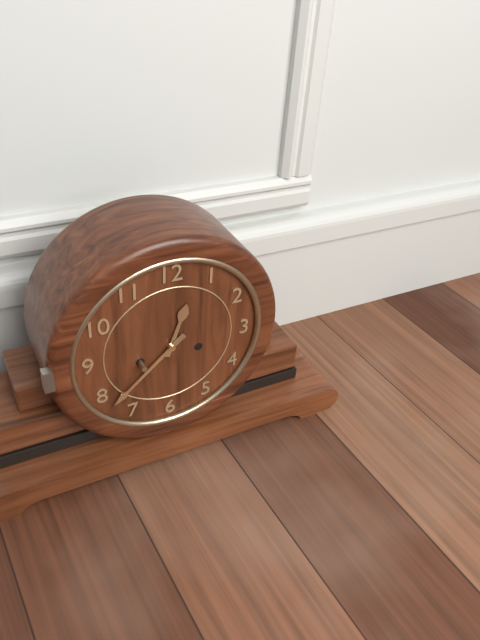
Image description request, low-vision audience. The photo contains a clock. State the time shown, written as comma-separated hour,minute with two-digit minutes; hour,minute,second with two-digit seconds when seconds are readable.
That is 12,38
